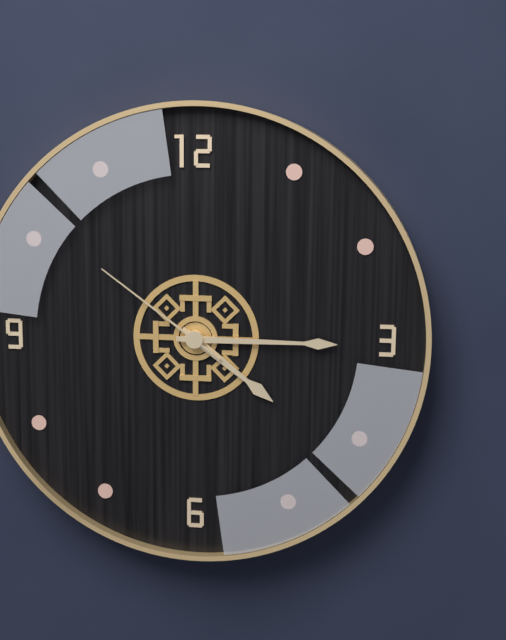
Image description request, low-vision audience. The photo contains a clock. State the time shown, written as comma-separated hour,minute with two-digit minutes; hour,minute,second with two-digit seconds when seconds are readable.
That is 4,15,51
